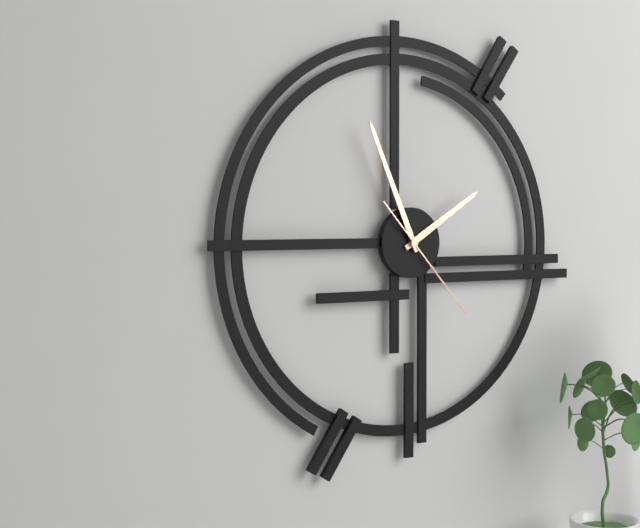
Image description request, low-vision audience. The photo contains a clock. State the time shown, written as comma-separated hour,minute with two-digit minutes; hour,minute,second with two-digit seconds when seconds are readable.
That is 1,56,23
